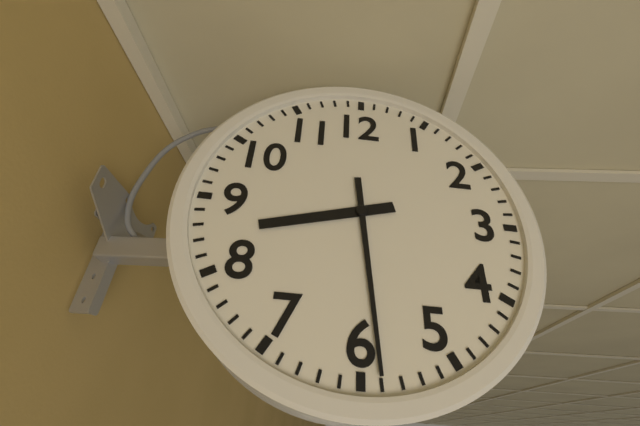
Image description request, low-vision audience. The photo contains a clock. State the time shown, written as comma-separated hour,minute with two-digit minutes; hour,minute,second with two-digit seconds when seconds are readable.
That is 8,29
